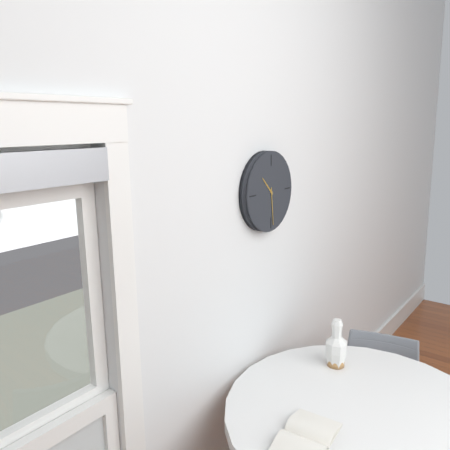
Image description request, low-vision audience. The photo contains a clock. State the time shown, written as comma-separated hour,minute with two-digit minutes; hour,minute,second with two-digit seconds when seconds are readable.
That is 10,29
